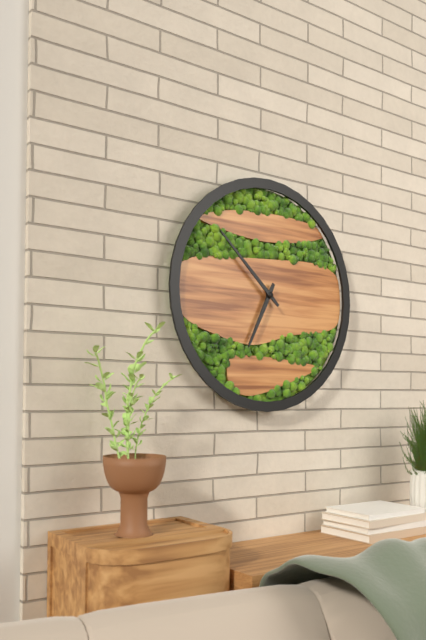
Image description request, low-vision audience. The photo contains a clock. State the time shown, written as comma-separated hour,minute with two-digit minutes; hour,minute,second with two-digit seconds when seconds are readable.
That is 6,52
